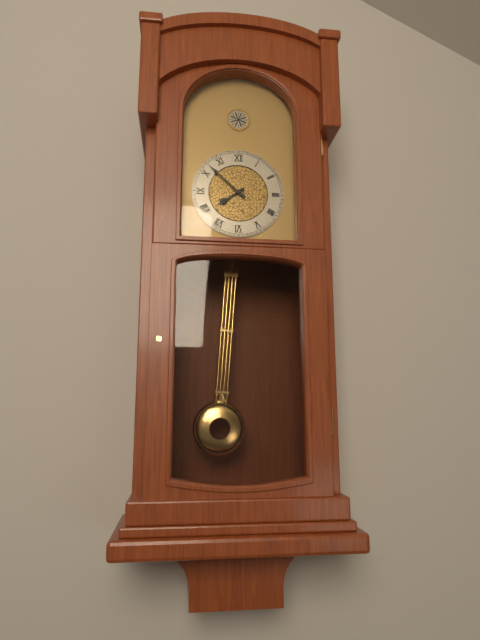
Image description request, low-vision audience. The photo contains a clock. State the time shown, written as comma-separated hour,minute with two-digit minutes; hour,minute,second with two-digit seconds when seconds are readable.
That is 7,52
